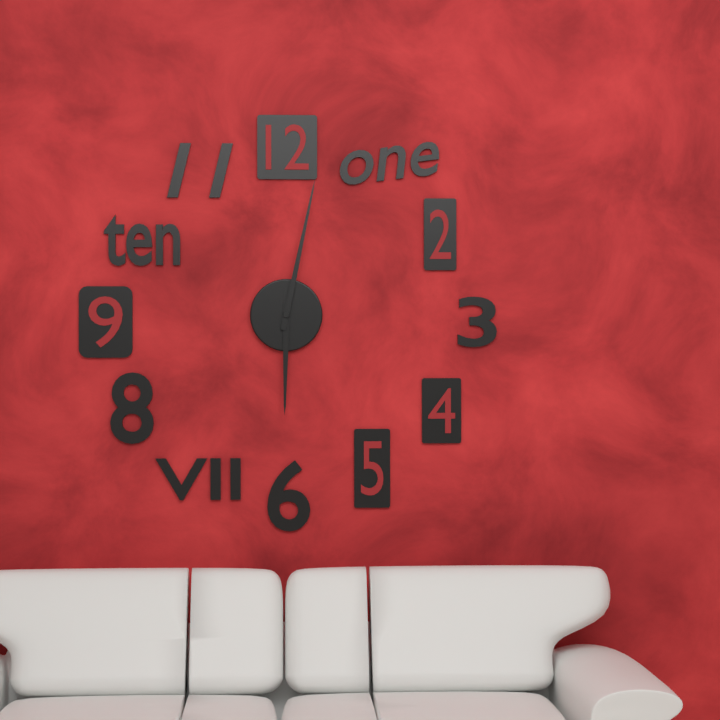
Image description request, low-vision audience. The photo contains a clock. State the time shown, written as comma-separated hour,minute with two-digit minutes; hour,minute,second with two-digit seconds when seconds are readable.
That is 6,02
